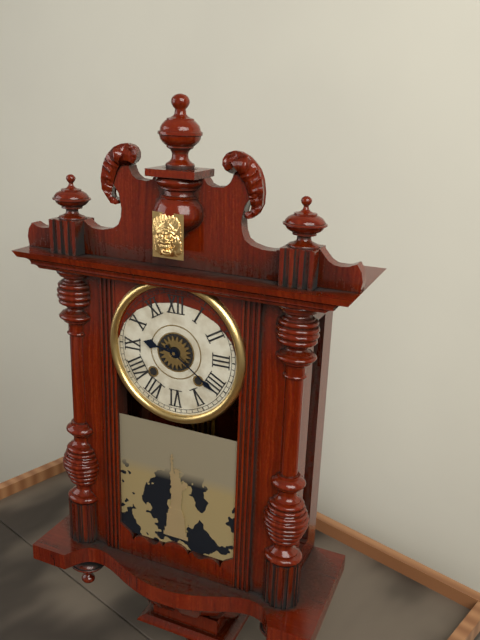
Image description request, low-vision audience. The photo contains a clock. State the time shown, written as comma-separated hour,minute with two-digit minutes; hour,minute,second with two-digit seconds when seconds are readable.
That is 9,21
